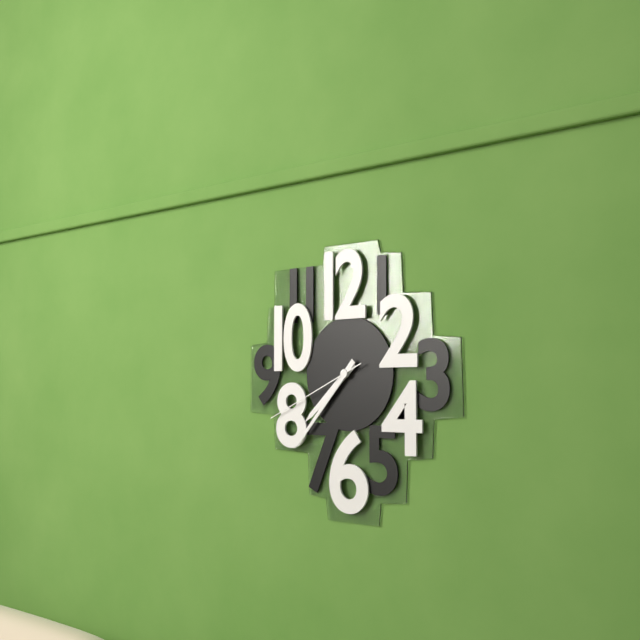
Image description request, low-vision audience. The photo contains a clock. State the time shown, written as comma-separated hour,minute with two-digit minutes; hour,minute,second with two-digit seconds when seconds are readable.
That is 7,37,41
